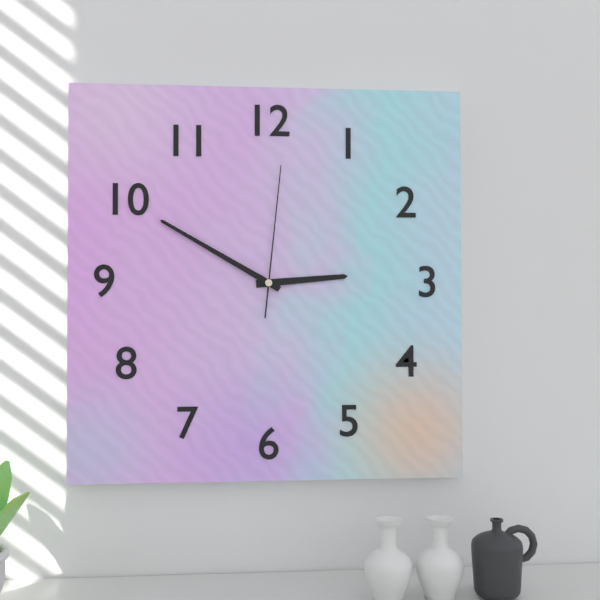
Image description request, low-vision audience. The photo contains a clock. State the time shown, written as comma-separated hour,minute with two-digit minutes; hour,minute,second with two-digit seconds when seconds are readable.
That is 2,50,01
